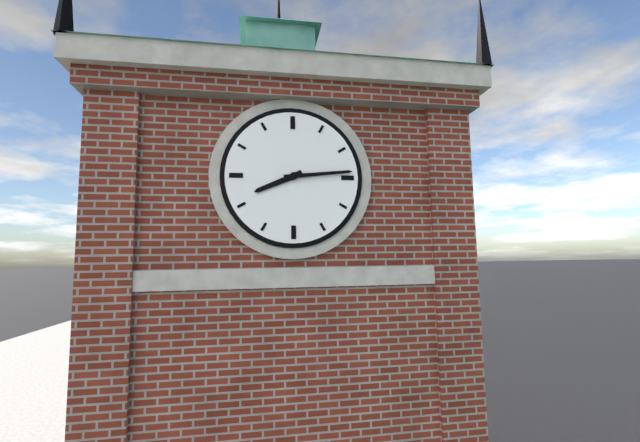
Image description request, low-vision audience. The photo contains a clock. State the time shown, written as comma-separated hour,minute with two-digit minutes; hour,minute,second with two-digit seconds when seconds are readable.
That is 8,14
